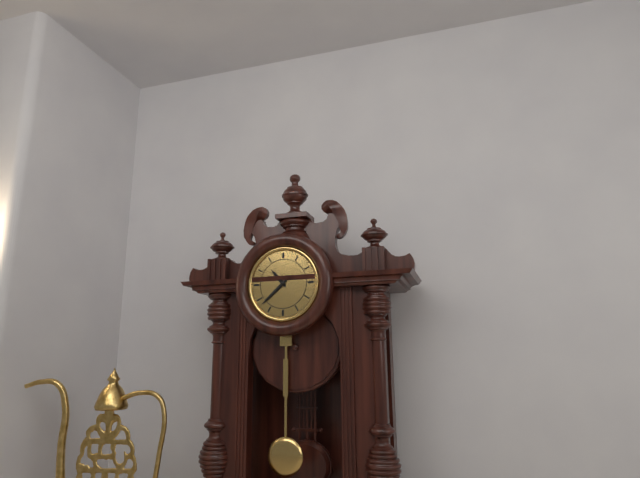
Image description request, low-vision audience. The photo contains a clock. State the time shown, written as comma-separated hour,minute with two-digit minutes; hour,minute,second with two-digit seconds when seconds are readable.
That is 10,38
